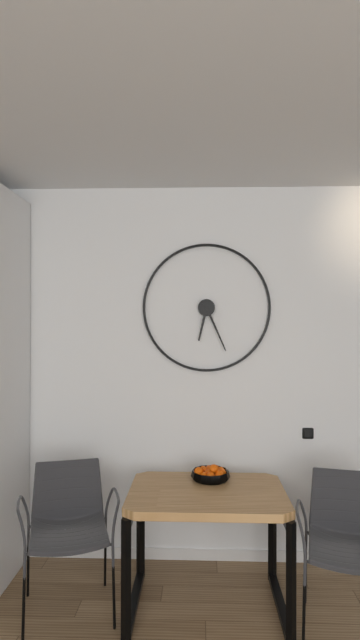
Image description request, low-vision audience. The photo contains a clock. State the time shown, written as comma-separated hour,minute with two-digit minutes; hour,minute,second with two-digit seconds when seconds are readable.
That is 6,26
